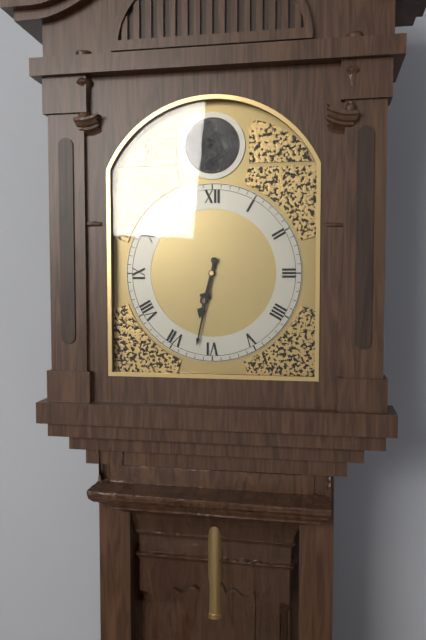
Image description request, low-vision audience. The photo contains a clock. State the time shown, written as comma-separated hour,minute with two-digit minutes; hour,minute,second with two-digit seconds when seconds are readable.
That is 6,32
